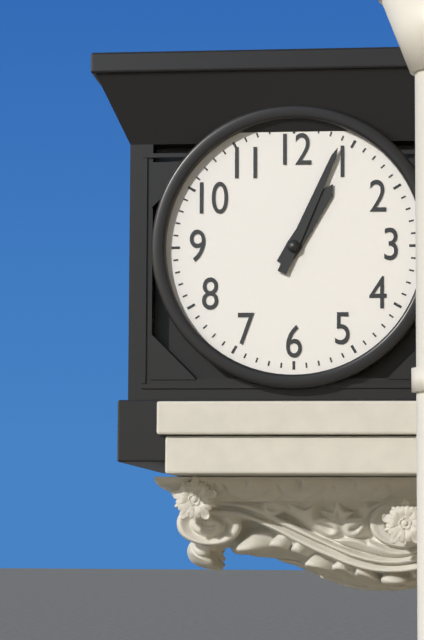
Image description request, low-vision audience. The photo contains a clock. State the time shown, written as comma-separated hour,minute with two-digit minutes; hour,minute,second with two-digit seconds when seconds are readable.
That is 1,04
